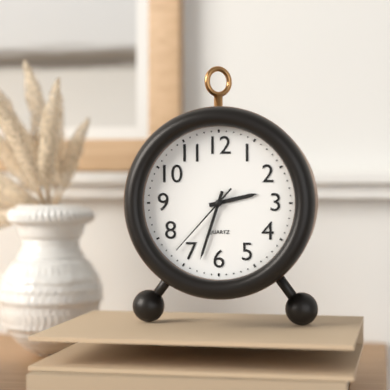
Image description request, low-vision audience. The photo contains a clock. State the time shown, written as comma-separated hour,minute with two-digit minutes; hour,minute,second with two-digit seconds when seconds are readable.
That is 2,33,37
